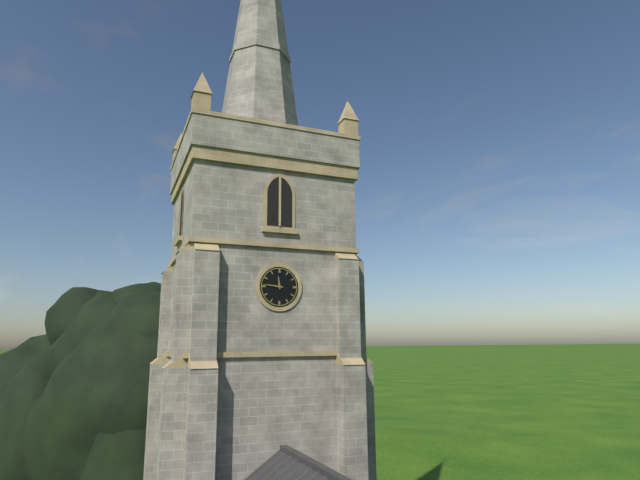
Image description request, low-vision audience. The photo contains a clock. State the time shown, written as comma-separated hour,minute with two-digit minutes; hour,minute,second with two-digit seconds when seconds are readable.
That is 11,46
